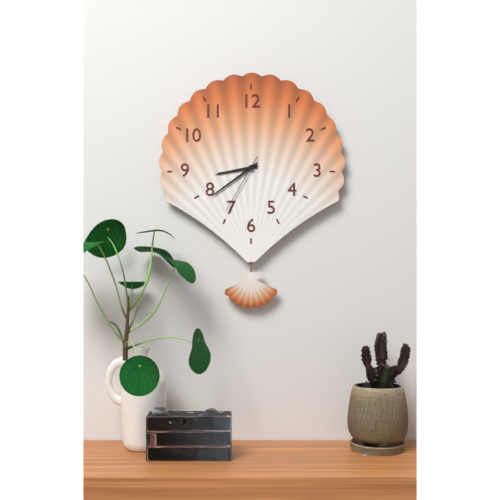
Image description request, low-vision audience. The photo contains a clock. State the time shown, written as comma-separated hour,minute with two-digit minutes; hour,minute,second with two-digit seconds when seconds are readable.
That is 8,39,35
